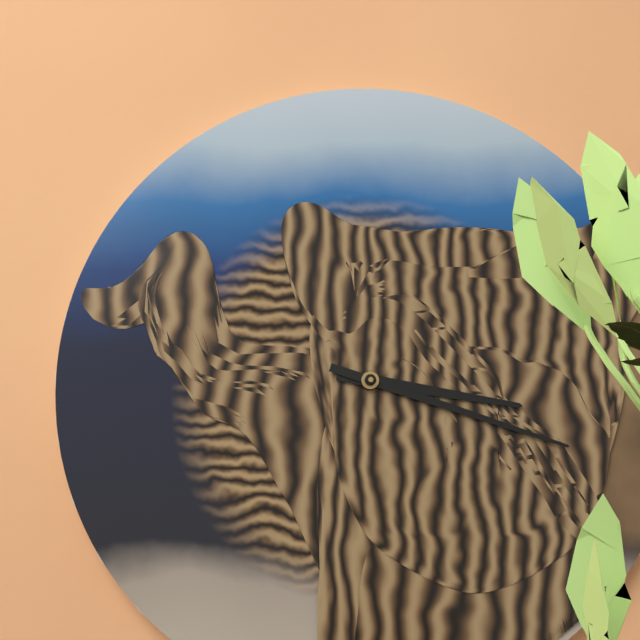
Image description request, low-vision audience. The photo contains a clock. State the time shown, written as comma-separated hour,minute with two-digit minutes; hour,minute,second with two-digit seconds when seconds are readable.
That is 3,18
